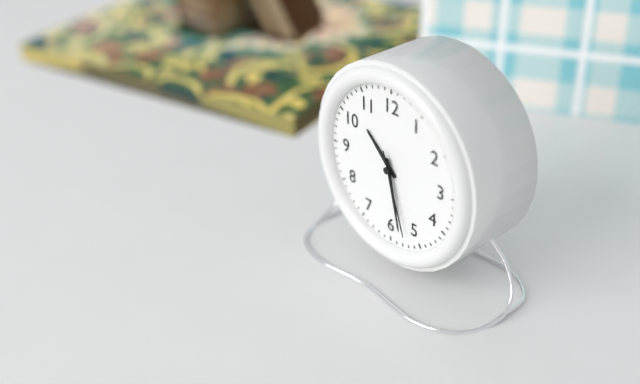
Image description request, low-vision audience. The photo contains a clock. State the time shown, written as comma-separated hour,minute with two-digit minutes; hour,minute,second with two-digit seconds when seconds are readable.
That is 10,28,27
